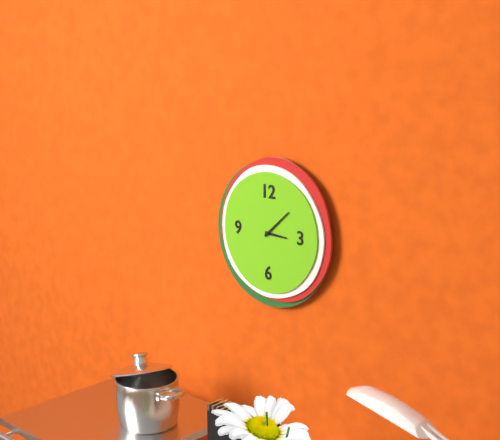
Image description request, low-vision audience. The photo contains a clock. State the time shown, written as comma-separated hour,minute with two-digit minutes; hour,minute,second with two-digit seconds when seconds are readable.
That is 3,08
